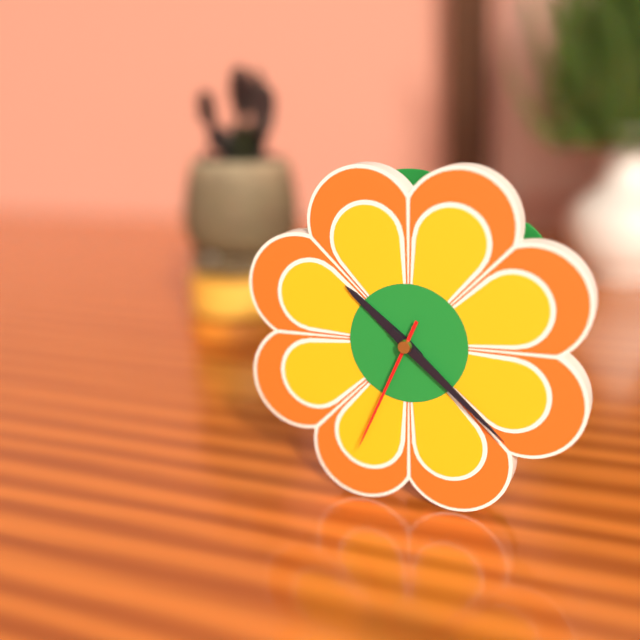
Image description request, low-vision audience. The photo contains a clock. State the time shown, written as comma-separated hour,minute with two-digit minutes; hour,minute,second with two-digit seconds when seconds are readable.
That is 10,22,34
